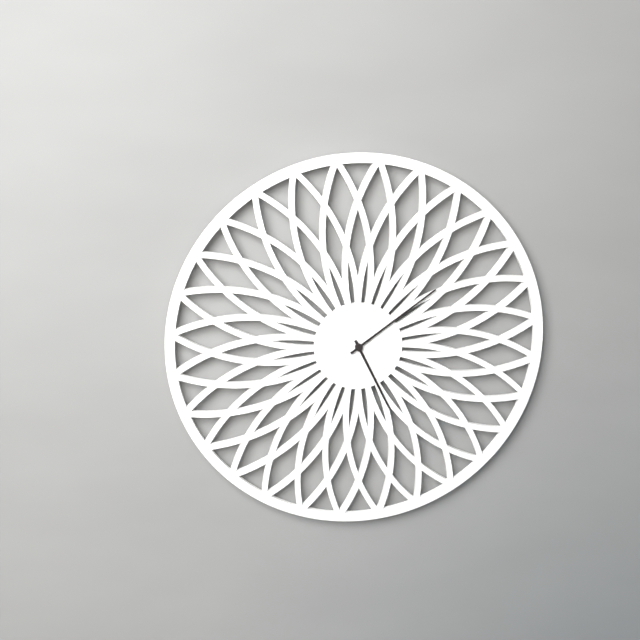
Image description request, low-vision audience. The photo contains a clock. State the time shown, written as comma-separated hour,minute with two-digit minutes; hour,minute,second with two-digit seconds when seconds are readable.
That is 5,09
